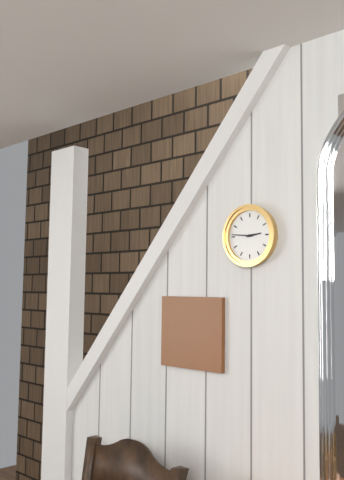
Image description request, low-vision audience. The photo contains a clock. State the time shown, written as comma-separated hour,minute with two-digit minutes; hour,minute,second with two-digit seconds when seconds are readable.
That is 2,46
